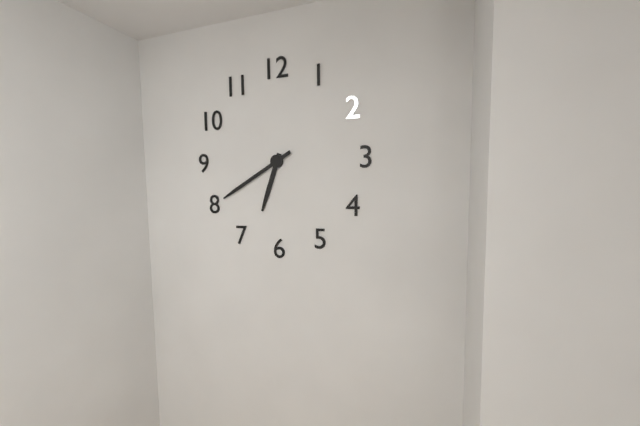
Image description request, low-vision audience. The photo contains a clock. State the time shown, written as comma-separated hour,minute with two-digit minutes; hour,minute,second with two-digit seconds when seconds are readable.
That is 6,40
